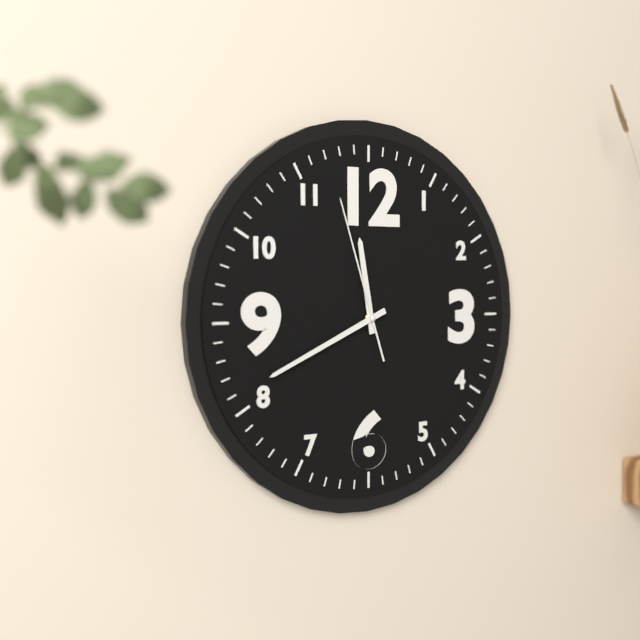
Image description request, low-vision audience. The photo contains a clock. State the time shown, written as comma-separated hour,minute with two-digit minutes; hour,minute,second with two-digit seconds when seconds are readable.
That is 11,41,57
